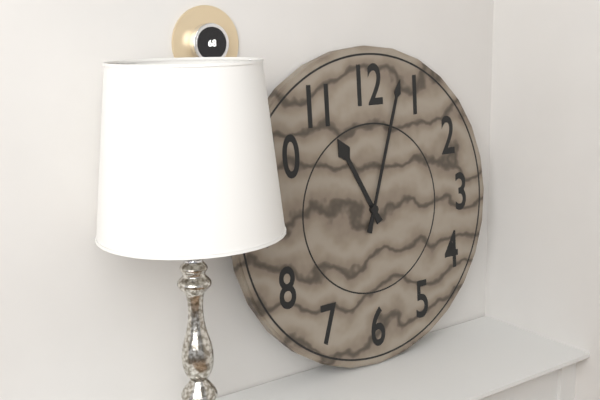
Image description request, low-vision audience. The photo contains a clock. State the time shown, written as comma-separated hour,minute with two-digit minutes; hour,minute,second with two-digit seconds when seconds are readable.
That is 11,03
